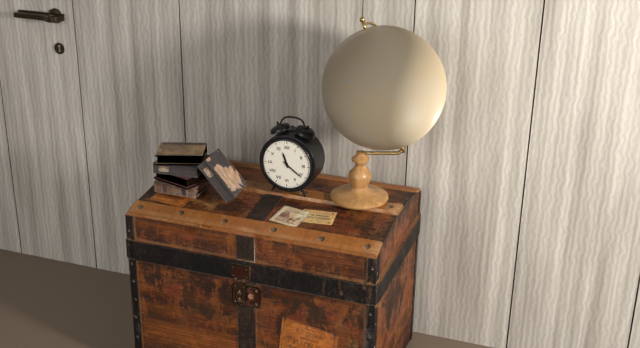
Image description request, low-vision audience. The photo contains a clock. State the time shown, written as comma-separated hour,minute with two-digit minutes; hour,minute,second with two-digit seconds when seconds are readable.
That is 11,21
